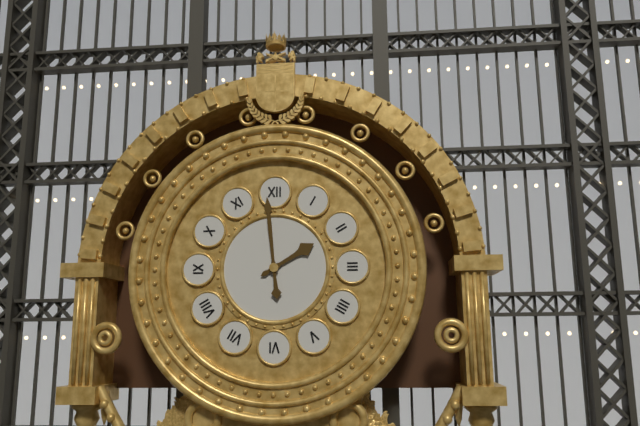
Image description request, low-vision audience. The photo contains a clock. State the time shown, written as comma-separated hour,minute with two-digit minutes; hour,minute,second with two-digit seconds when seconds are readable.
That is 1,59
